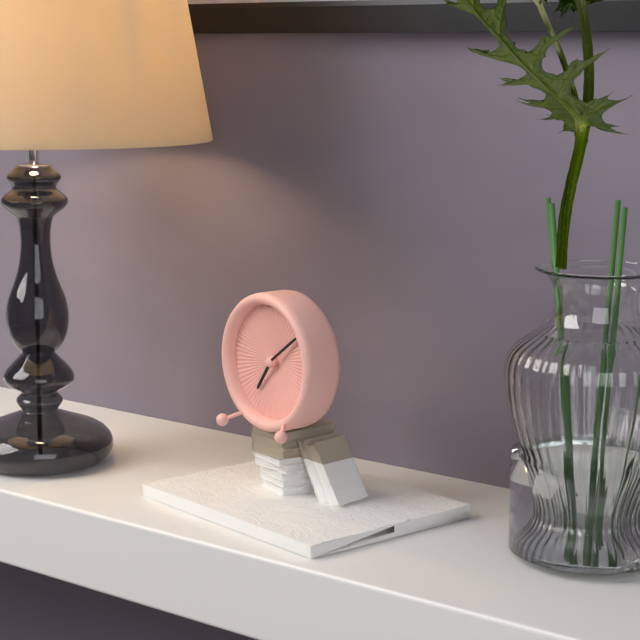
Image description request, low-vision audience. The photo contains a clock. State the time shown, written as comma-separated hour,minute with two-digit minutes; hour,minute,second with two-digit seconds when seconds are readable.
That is 7,09
